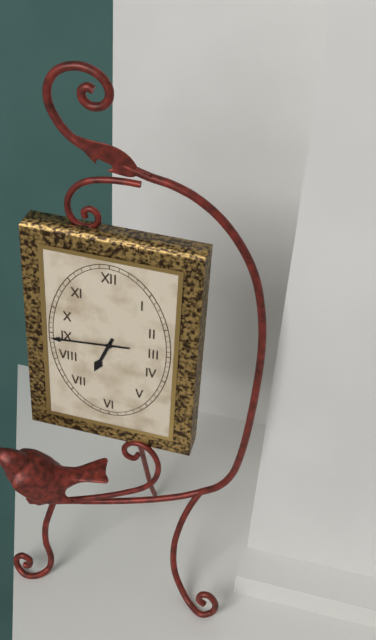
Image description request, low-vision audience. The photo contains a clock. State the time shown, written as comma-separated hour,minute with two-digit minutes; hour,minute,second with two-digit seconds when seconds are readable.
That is 6,44
